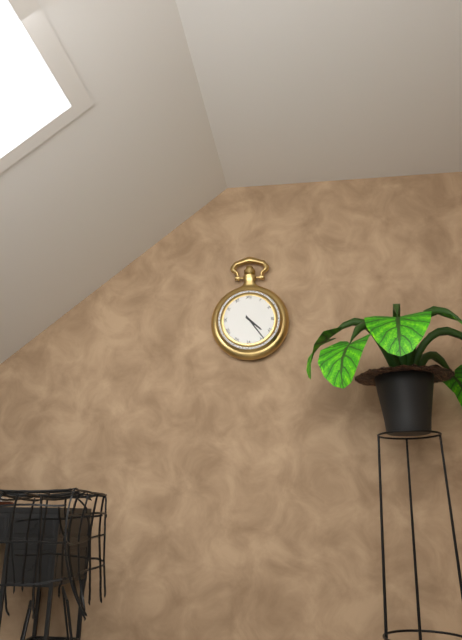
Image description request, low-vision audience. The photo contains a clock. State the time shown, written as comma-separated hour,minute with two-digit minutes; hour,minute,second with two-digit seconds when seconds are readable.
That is 4,24
